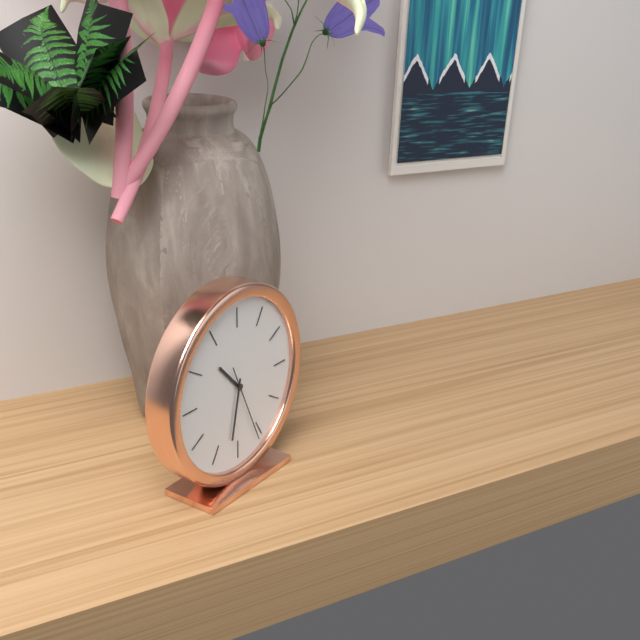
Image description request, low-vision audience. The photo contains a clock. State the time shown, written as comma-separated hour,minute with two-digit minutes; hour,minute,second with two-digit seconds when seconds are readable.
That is 10,32,26
